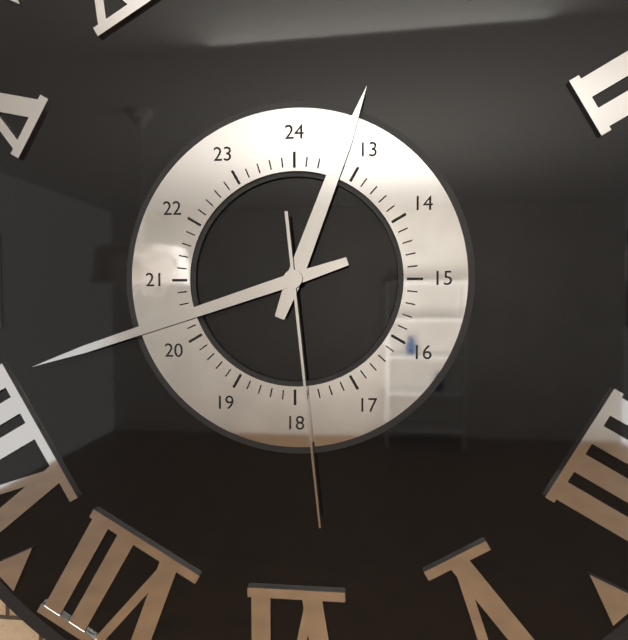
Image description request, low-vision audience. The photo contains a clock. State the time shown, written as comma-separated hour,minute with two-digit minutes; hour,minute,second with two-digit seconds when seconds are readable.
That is 12,42,29
